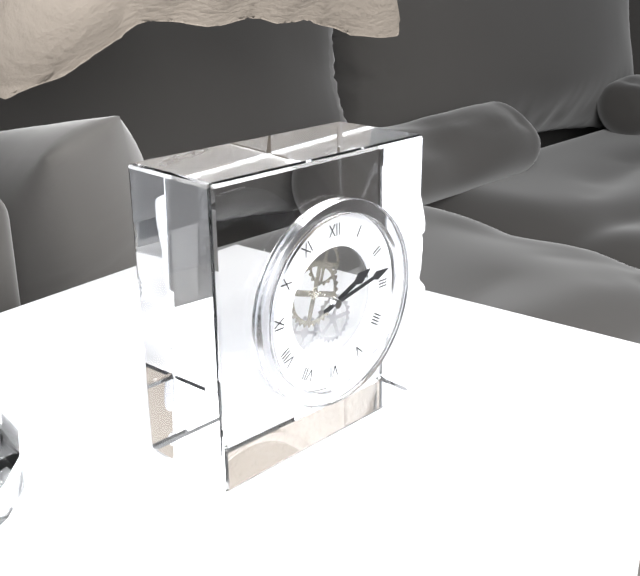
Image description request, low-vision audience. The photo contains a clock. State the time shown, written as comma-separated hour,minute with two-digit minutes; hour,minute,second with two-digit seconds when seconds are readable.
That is 2,13
